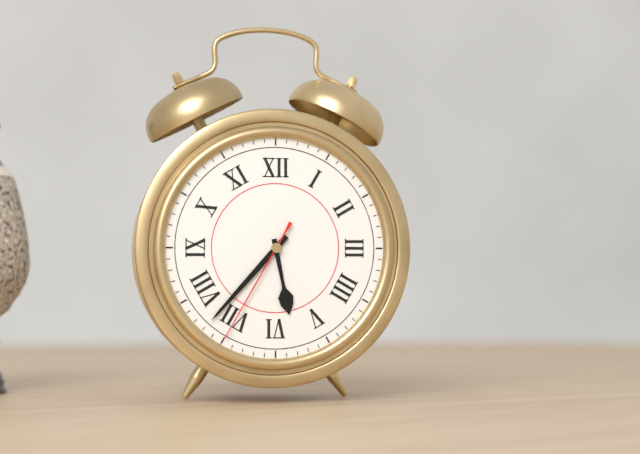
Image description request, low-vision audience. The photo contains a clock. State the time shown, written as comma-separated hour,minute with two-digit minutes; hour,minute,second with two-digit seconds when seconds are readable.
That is 5,37,35
